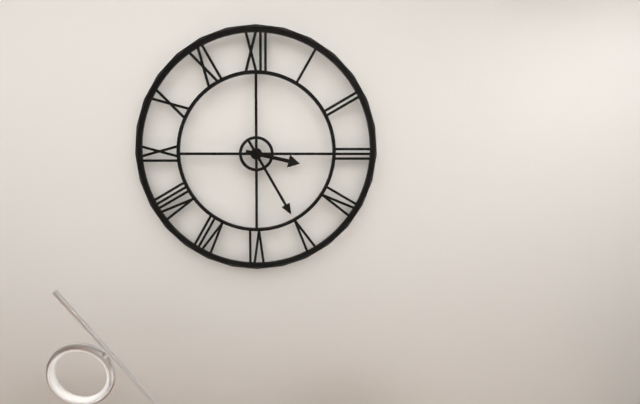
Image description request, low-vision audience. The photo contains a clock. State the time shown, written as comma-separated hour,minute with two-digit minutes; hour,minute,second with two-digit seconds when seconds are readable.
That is 3,25
